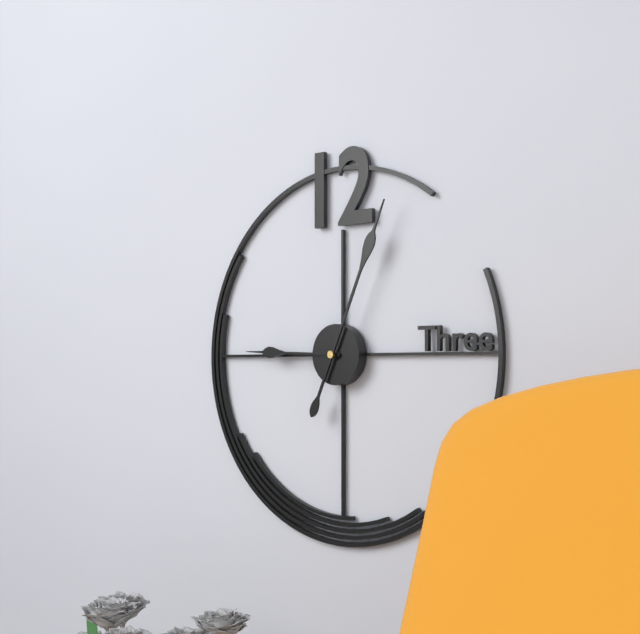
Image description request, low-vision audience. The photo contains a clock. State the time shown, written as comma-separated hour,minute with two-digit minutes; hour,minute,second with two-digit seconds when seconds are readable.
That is 9,04
